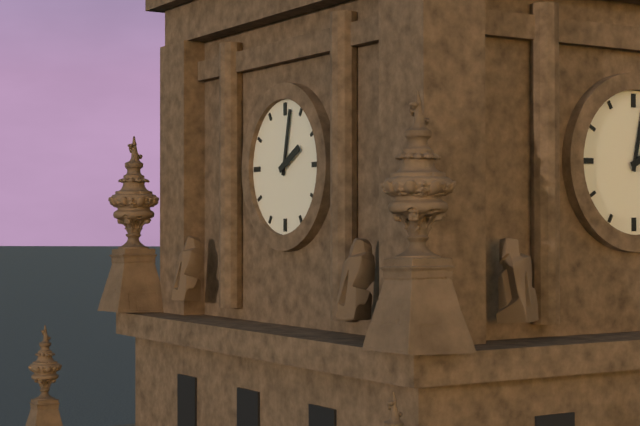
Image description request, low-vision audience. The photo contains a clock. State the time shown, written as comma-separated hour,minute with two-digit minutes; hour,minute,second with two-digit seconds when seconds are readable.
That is 2,02
